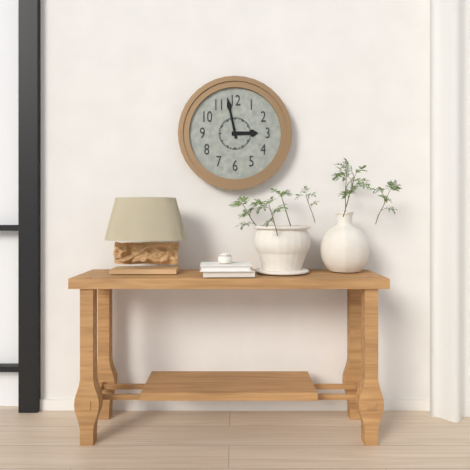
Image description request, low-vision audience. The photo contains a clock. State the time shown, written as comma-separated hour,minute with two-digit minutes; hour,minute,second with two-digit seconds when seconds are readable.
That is 2,58
